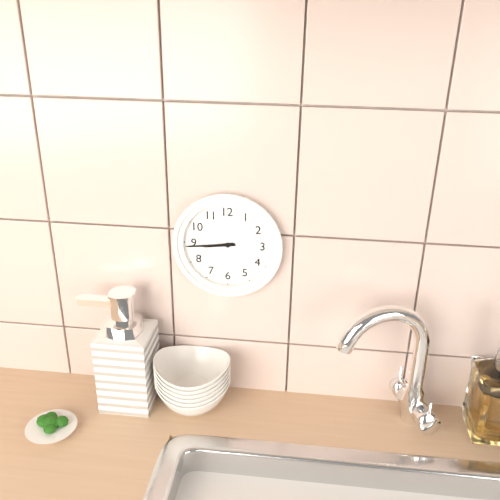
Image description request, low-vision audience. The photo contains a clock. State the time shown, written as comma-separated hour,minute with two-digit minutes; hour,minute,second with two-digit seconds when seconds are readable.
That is 8,44
